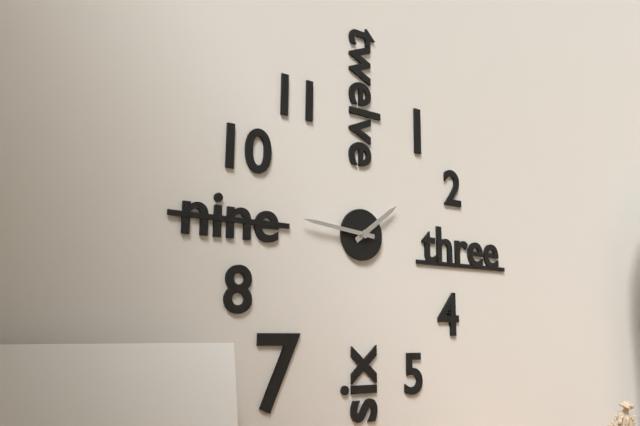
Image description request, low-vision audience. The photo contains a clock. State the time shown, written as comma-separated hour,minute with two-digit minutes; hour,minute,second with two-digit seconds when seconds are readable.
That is 1,46
